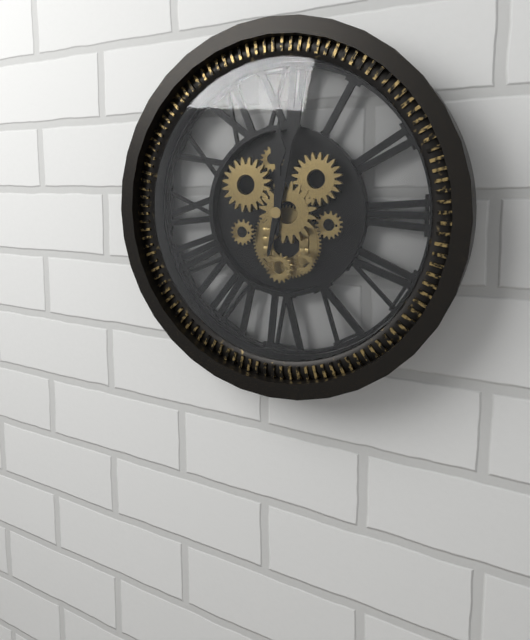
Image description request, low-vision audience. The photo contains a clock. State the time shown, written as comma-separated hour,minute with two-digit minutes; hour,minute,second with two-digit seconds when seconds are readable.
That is 12,02
